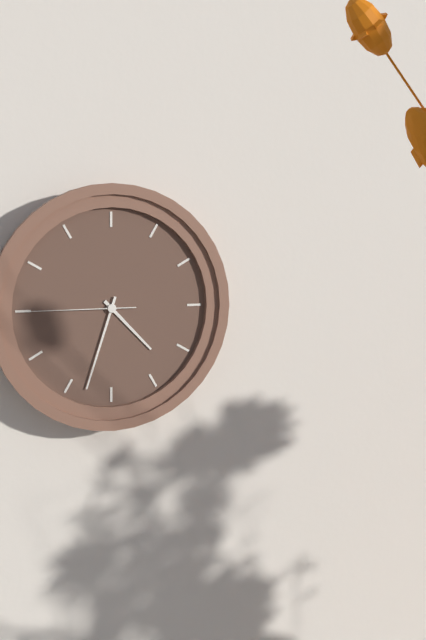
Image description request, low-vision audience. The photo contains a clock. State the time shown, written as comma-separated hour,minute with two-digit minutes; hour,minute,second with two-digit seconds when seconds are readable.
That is 4,33,45
